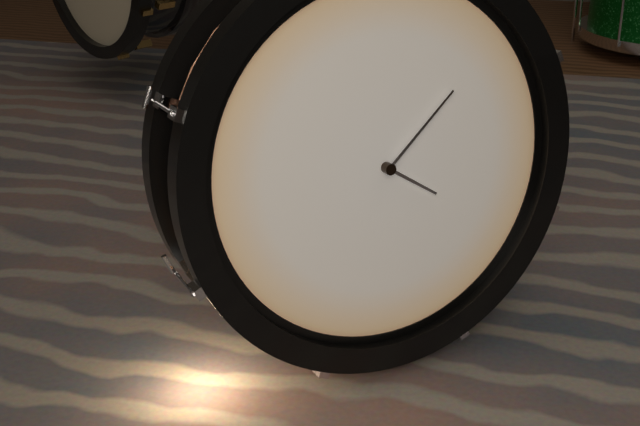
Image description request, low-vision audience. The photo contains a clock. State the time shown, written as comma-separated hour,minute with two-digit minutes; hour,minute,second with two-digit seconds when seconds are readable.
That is 4,08
